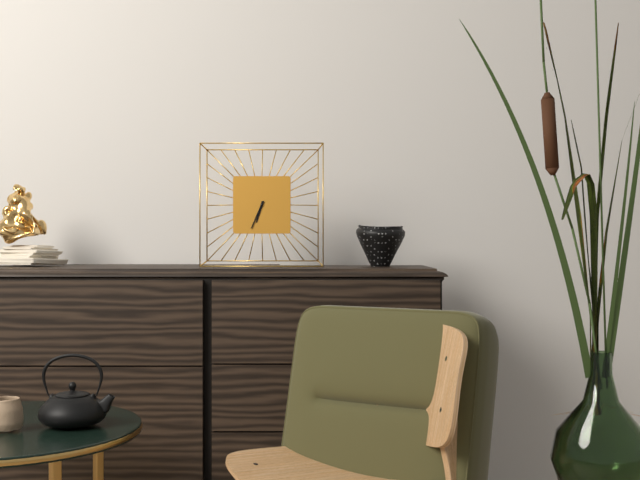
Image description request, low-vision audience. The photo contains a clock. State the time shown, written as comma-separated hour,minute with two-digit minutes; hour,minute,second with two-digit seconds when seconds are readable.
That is 6,34
